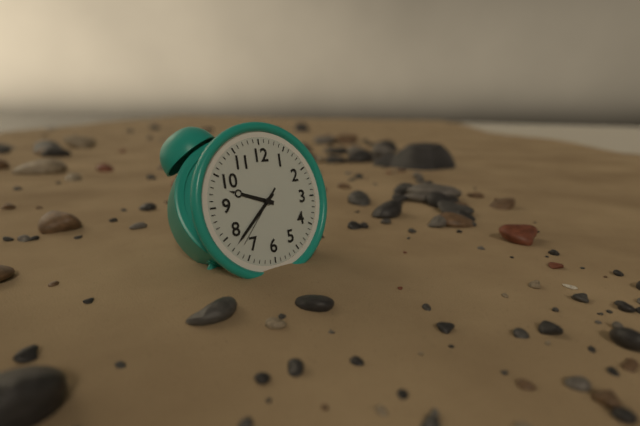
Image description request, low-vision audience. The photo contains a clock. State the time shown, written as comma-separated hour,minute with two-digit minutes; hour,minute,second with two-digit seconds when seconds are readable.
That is 9,38,37
